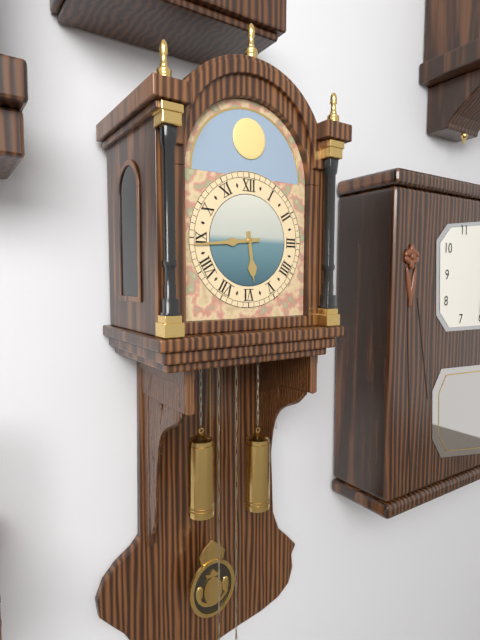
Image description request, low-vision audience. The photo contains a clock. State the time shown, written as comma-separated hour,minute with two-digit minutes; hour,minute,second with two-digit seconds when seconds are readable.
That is 5,44
